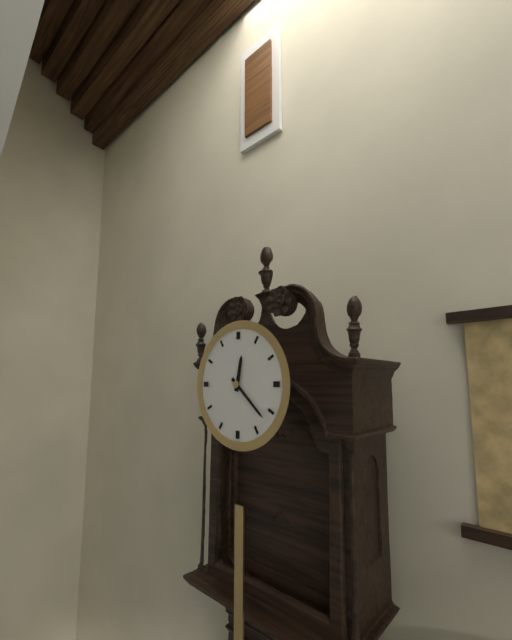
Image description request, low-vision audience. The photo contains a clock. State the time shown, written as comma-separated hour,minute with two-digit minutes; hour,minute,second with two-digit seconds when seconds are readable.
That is 12,22
